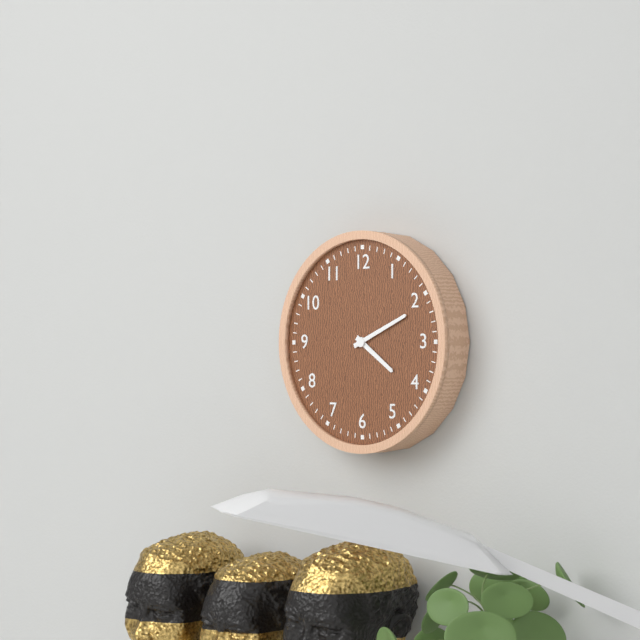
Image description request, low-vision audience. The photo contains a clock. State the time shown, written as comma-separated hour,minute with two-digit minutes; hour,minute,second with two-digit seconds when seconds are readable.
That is 4,11
